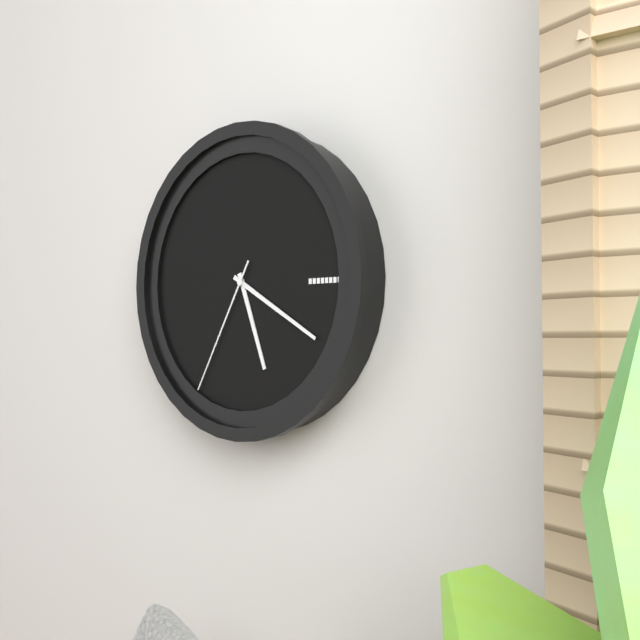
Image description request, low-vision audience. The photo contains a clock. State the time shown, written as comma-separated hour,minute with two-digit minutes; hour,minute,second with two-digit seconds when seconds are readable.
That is 5,20,35
